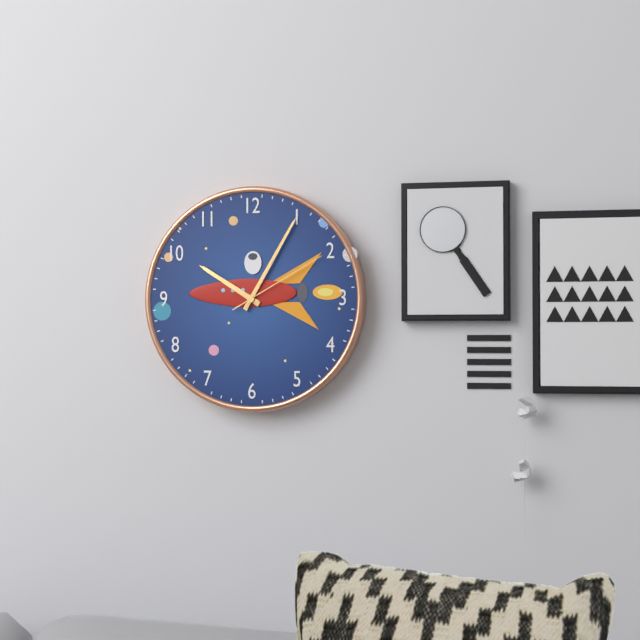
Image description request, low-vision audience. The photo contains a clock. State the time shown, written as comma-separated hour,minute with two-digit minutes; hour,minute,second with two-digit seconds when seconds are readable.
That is 10,05,10
